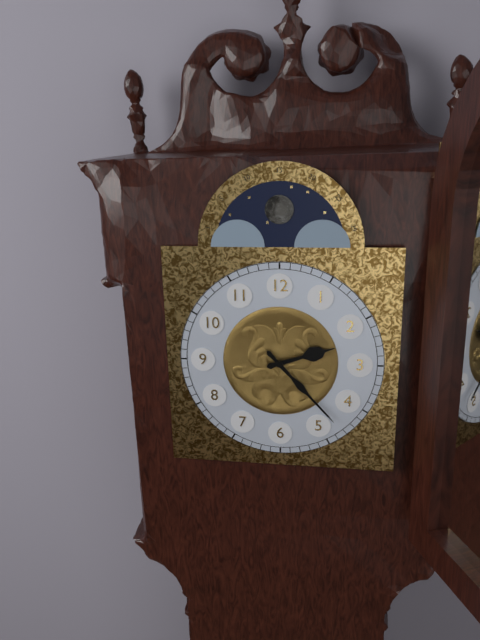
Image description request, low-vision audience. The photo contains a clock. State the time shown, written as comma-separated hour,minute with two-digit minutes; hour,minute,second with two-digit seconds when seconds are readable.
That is 2,23
